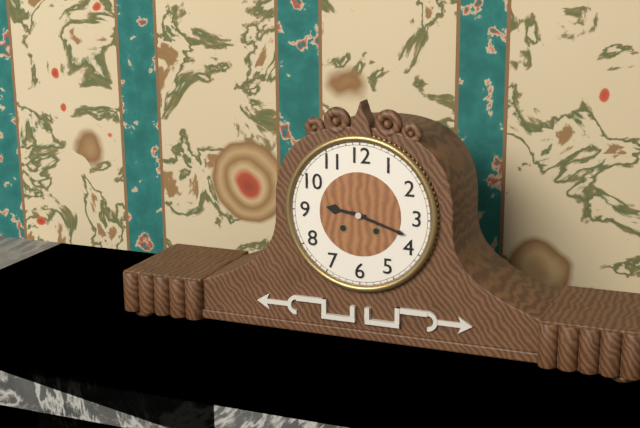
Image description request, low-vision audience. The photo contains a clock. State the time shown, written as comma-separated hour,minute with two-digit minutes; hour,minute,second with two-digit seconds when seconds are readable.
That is 9,18
